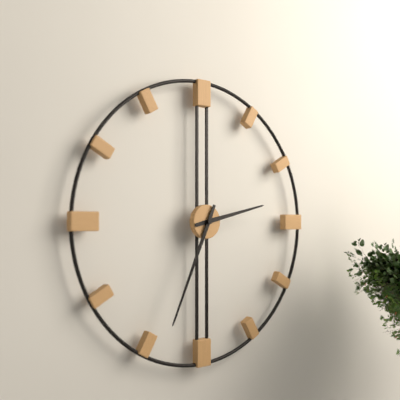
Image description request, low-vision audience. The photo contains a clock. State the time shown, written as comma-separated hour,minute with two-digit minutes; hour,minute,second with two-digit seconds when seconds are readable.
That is 2,34
